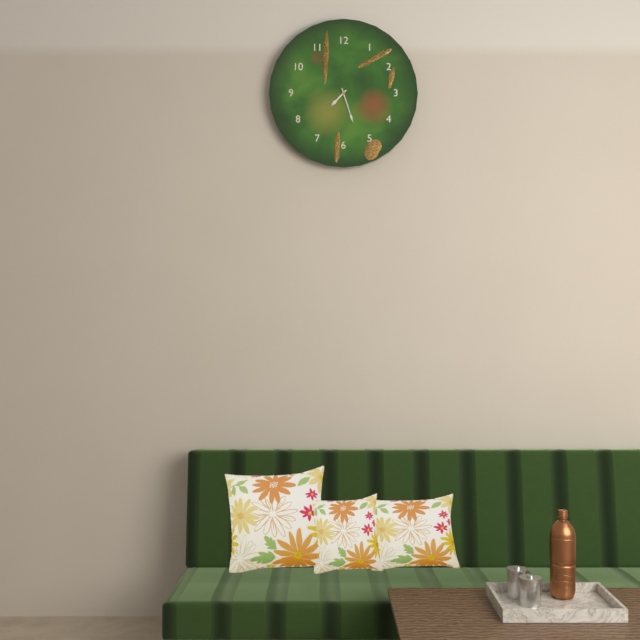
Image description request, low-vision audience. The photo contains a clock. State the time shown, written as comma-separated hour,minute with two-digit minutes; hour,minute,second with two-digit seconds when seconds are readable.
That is 7,27
